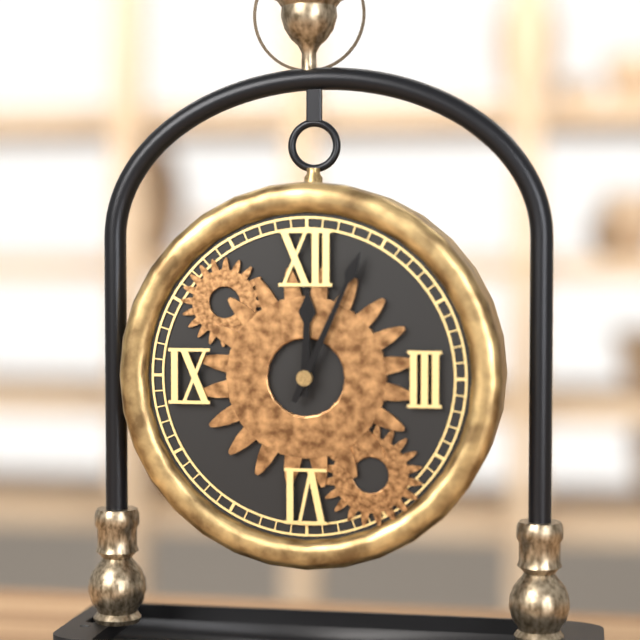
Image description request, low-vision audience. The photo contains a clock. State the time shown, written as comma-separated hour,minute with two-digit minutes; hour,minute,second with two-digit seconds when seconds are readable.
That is 12,04
